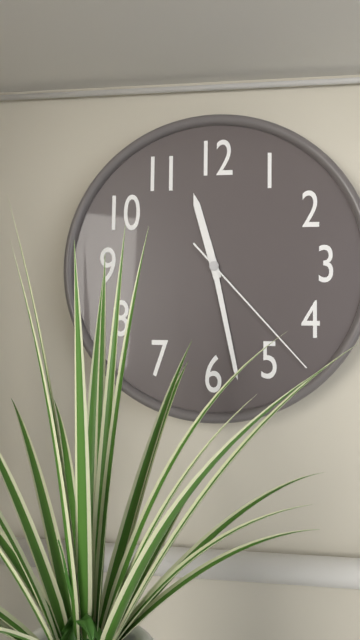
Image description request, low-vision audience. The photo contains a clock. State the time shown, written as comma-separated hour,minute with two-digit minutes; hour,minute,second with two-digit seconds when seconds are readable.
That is 11,28,23
